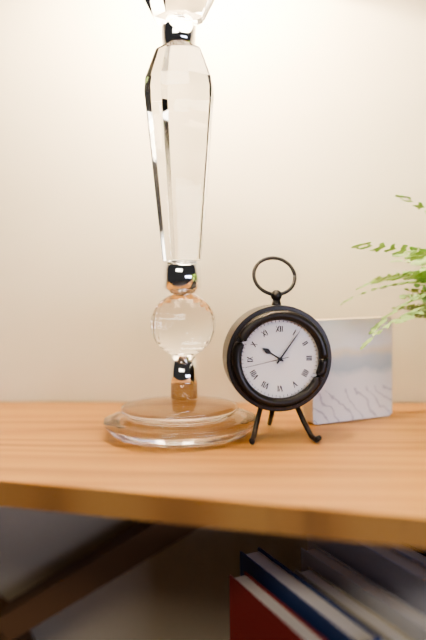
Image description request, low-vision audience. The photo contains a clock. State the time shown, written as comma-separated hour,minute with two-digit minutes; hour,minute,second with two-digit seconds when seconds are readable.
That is 10,06
